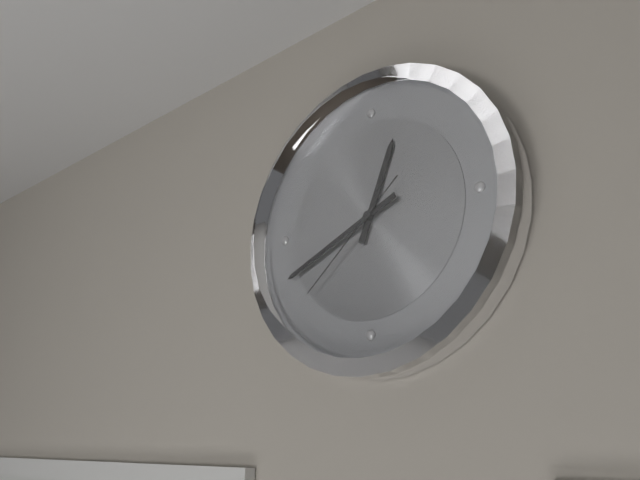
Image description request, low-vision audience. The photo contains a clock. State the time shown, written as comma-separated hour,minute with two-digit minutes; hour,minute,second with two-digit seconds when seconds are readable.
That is 12,41,38
